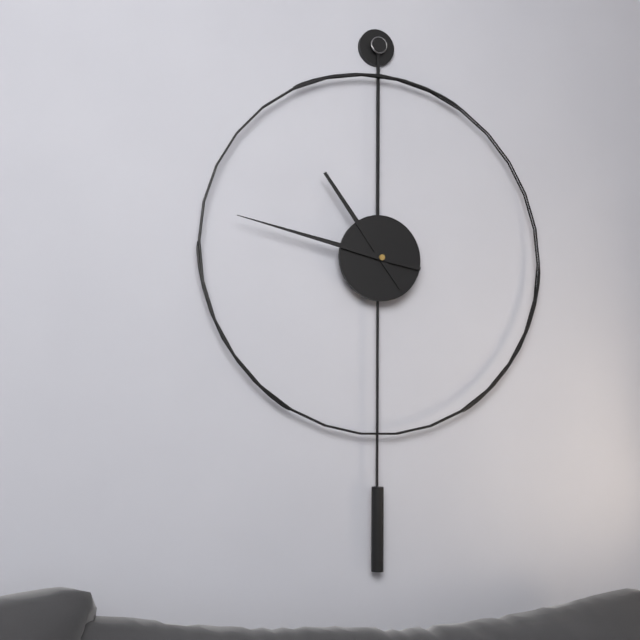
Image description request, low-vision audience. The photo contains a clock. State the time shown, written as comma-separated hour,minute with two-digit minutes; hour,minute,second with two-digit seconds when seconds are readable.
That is 10,47
